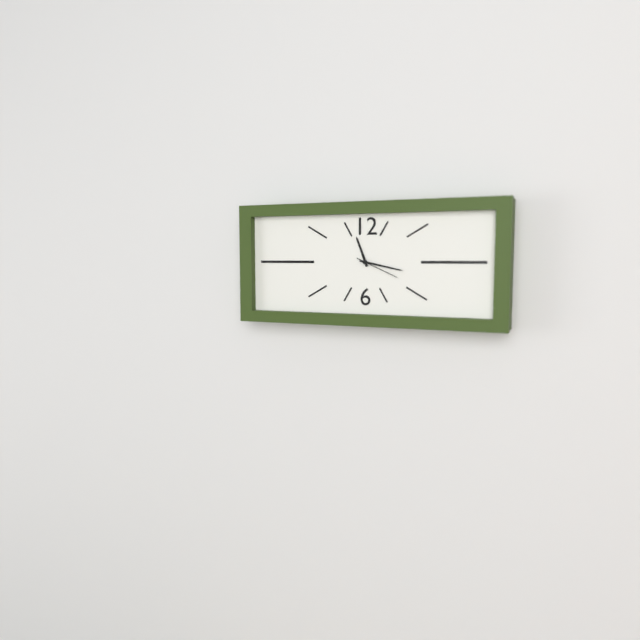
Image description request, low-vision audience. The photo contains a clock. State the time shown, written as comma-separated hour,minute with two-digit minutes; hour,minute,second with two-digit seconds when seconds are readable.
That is 11,17
